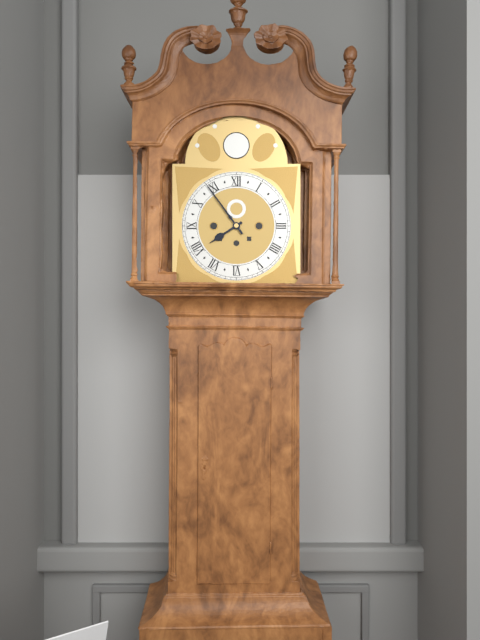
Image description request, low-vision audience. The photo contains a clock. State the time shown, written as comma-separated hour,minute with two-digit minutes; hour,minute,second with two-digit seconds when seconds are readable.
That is 7,54
